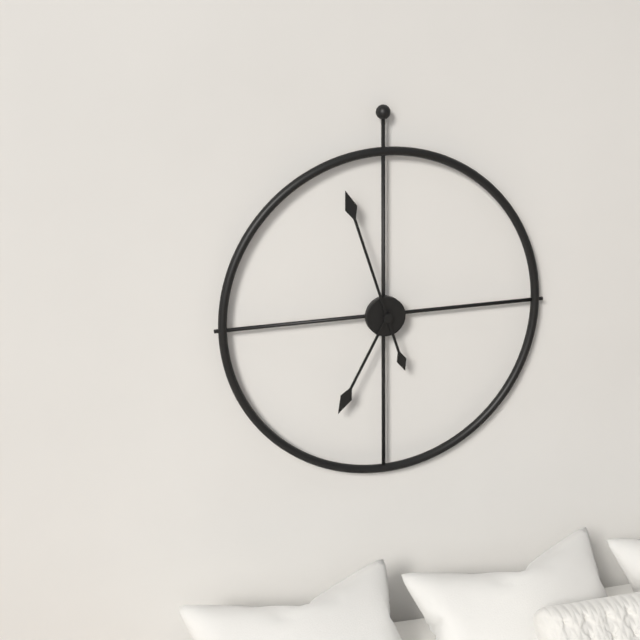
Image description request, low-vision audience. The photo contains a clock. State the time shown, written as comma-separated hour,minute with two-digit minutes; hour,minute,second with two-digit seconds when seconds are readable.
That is 6,57
